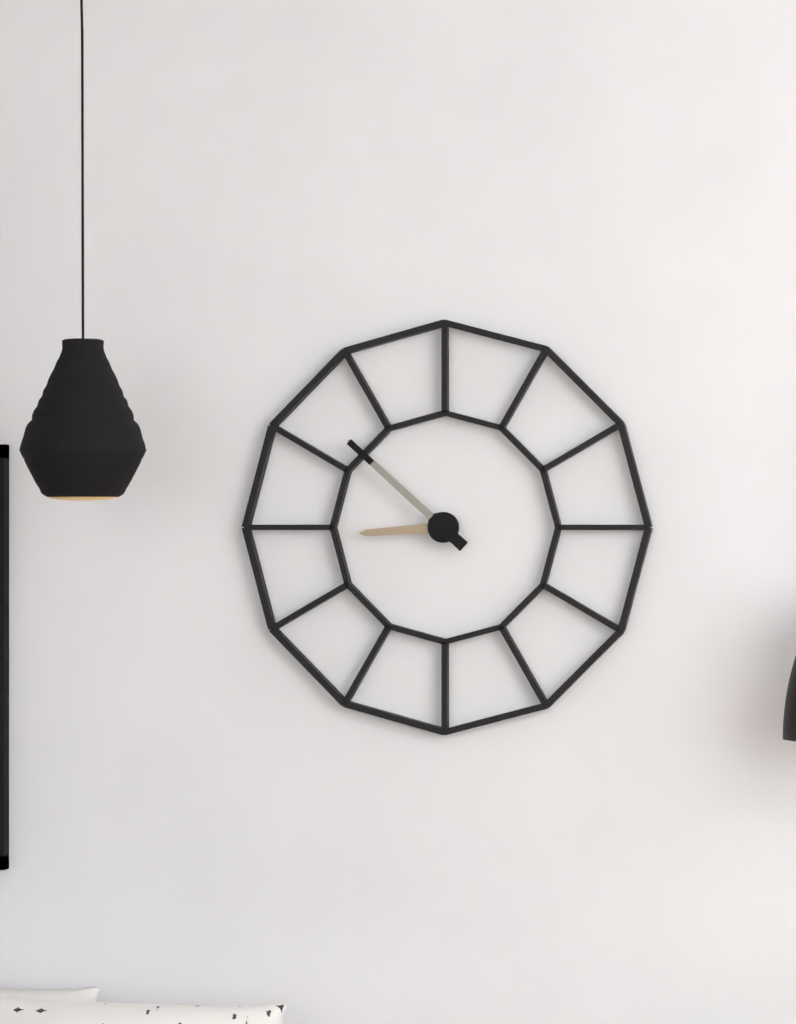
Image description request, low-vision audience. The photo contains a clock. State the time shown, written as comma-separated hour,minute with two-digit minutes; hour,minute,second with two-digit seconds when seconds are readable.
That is 8,52
